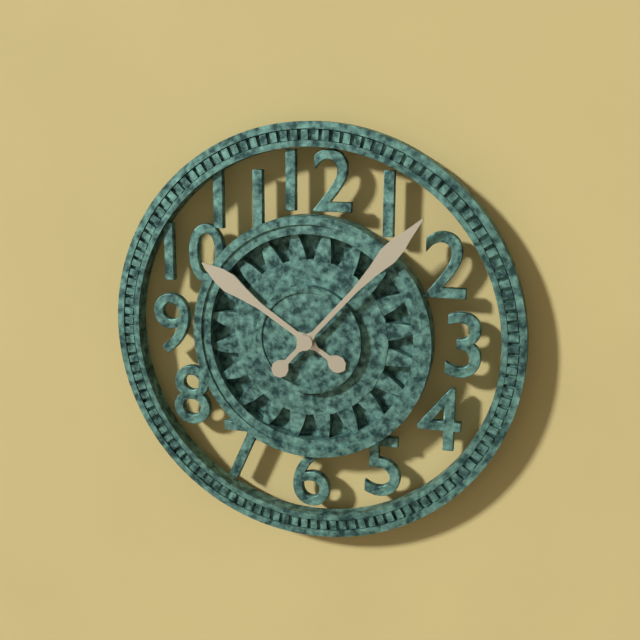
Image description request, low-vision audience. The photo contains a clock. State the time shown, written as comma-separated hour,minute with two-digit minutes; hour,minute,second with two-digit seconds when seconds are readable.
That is 10,07
